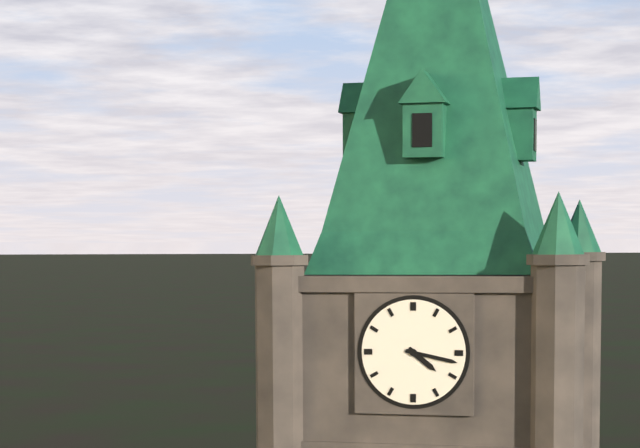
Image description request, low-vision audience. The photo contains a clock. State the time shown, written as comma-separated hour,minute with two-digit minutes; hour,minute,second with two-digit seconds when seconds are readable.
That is 4,17
